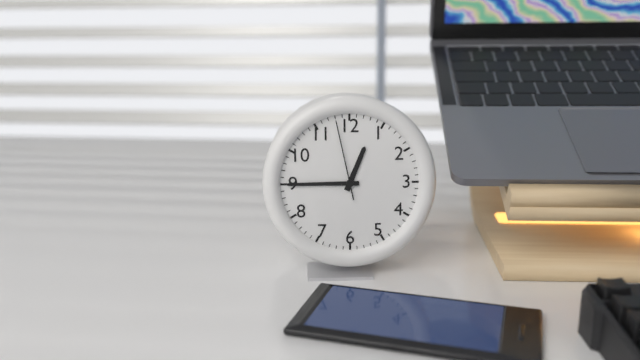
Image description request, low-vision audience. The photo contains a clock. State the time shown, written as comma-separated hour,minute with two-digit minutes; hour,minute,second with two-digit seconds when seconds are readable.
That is 12,45,58
